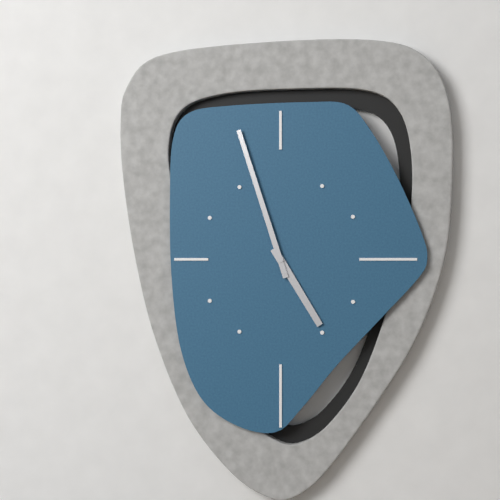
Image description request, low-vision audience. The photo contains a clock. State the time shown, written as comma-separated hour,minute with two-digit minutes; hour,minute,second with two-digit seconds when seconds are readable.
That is 4,57
